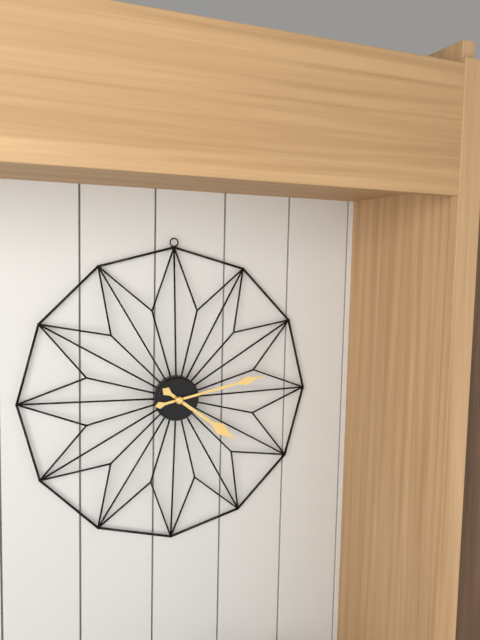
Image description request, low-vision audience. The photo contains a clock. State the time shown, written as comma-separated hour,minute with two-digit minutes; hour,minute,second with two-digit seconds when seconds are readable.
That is 4,13
